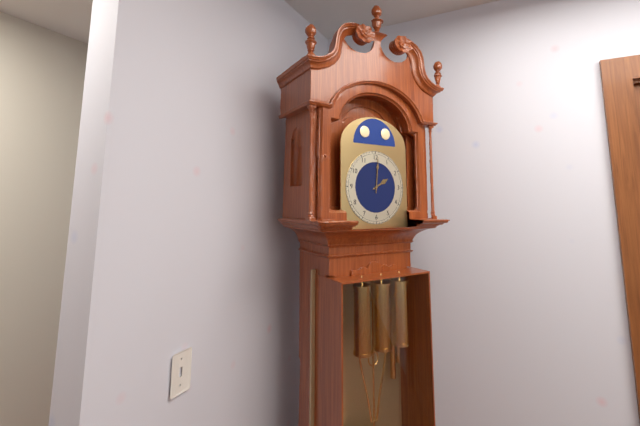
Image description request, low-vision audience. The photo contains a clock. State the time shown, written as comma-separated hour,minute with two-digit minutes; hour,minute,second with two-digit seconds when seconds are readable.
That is 2,01
